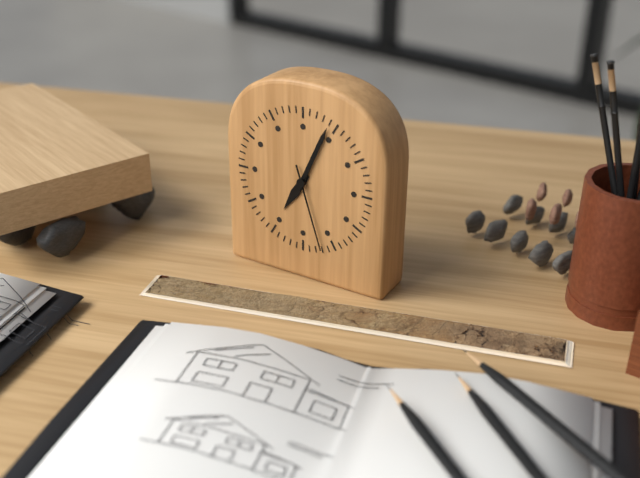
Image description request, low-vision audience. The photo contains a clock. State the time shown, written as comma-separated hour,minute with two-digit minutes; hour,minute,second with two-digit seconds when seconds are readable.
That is 7,04,27
